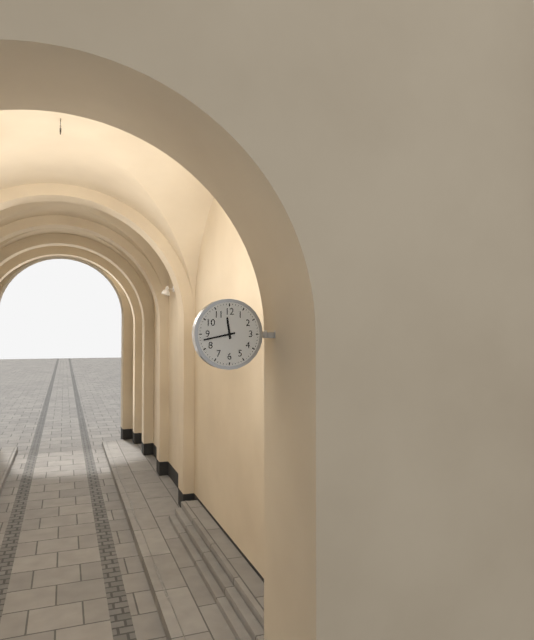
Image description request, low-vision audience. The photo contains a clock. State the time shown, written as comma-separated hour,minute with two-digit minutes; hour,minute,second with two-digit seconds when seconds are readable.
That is 11,43
